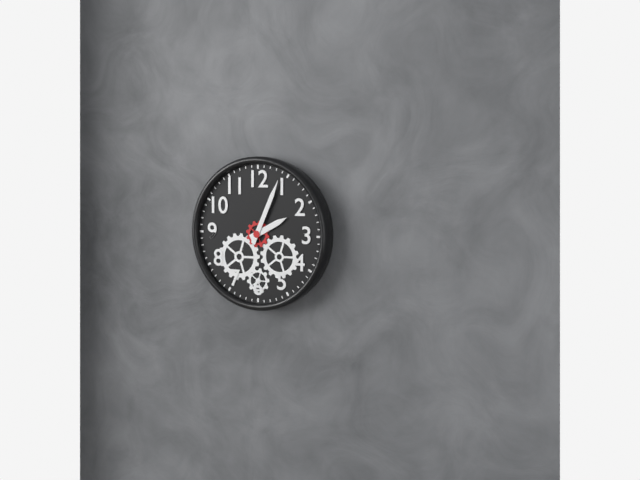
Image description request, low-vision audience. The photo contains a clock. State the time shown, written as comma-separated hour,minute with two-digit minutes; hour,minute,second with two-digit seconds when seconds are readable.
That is 2,04
